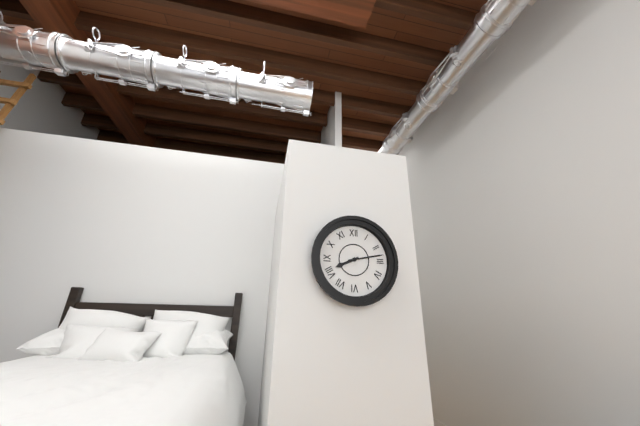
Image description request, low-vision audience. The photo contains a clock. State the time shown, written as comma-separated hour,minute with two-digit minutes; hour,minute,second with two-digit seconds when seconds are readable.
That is 8,13
